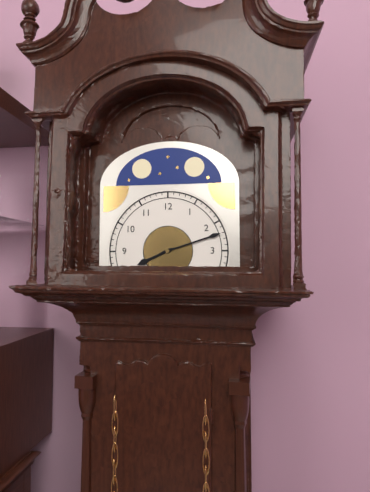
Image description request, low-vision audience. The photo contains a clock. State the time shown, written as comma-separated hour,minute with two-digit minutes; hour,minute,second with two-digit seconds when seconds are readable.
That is 8,12
